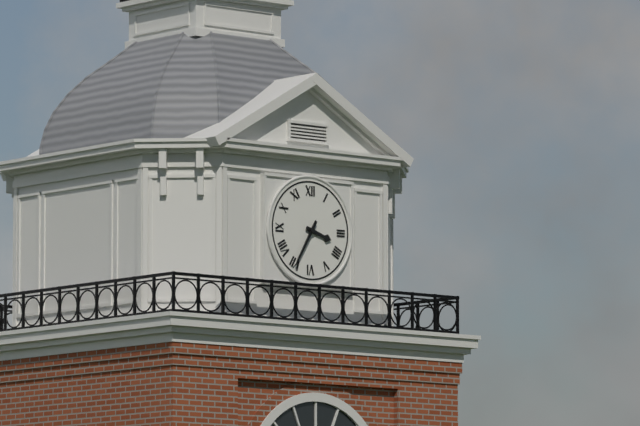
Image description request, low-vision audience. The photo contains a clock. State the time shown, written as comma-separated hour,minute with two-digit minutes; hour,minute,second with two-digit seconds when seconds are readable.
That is 3,35
